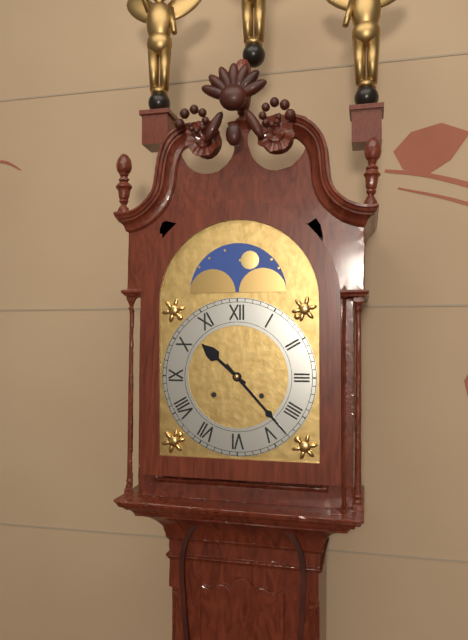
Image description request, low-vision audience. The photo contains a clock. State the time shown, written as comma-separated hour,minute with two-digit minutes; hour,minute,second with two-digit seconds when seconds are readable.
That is 10,23
